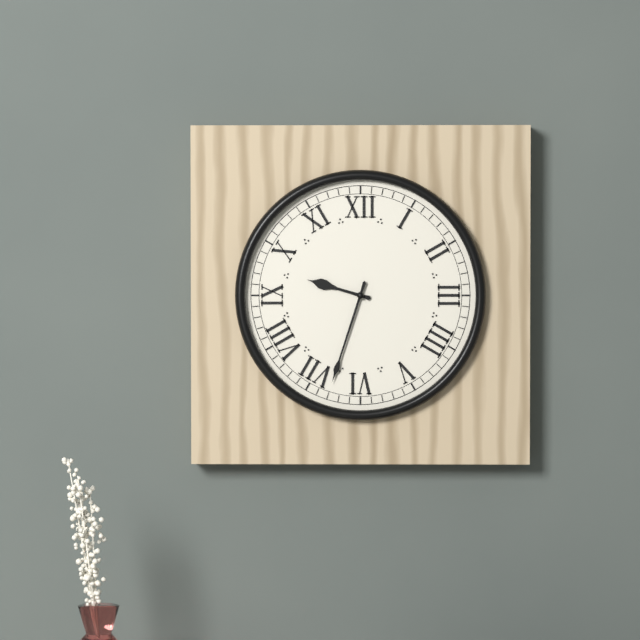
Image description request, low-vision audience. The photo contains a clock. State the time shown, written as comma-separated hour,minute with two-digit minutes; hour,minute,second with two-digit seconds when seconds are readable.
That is 9,33
